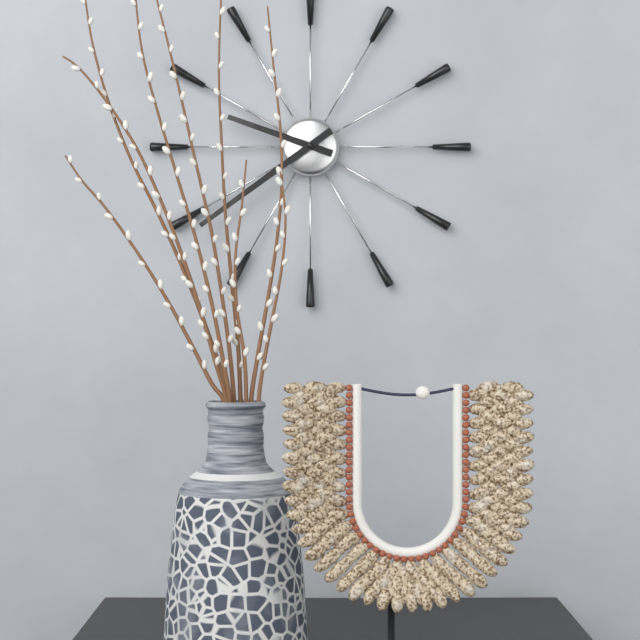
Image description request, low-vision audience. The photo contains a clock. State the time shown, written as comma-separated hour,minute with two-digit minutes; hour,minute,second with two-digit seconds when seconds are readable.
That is 9,39
